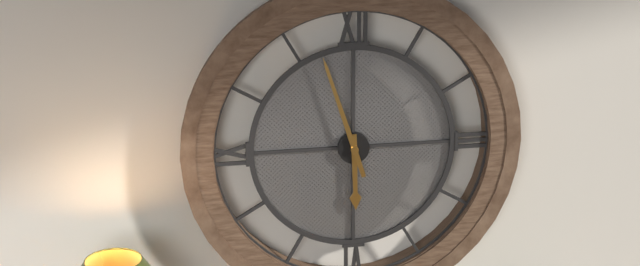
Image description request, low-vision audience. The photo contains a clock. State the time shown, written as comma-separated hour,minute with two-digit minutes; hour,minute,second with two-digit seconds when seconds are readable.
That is 5,57
